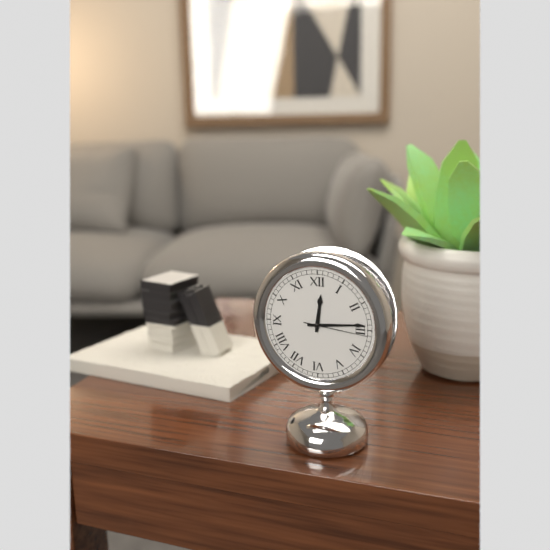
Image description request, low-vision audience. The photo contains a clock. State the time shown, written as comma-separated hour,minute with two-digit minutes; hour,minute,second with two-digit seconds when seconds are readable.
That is 12,14,16
